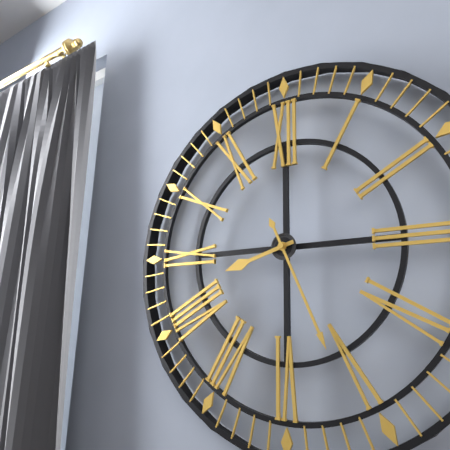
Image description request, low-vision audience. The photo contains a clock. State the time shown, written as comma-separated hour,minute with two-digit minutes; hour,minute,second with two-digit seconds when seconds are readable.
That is 8,26
